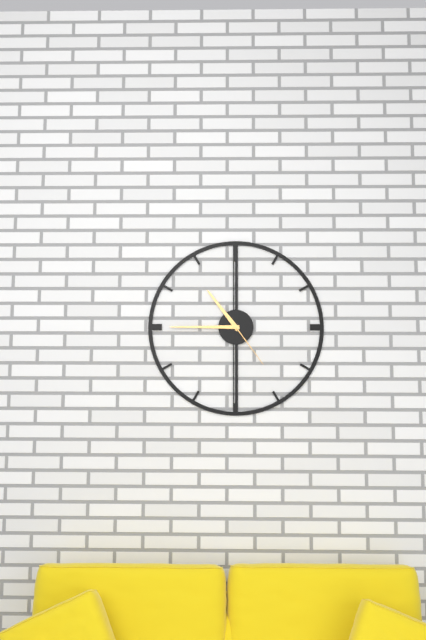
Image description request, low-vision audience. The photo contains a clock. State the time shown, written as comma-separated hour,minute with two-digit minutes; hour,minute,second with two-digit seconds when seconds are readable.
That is 10,45,24
